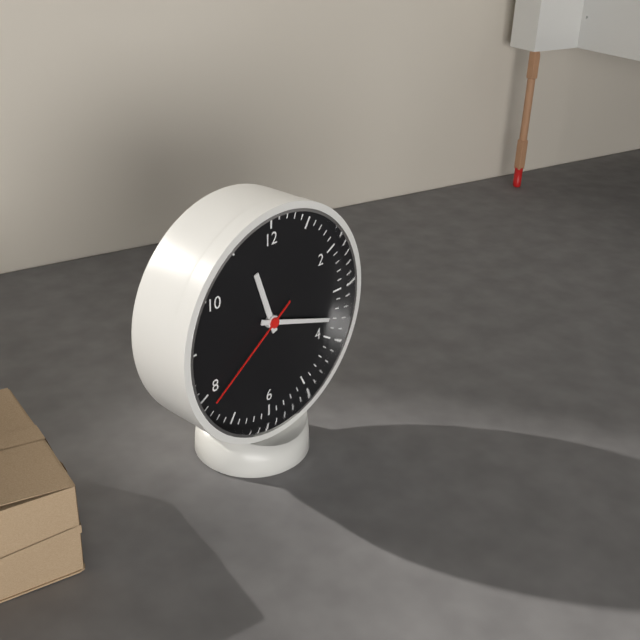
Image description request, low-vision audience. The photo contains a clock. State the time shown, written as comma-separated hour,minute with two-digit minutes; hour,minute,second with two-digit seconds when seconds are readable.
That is 11,18,39
